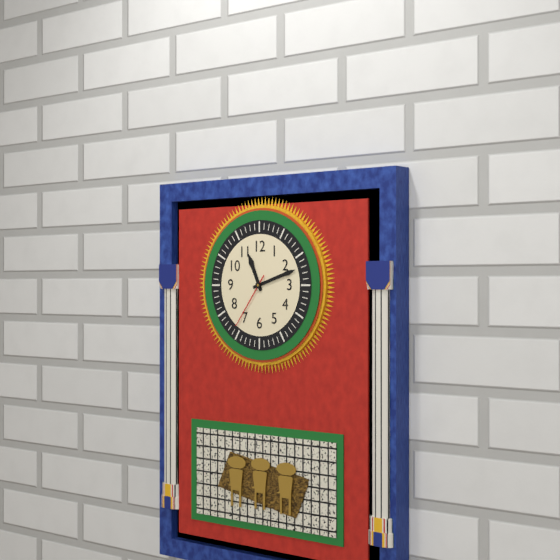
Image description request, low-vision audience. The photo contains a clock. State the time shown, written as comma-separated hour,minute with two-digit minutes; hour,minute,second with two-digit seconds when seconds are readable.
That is 11,12,36
